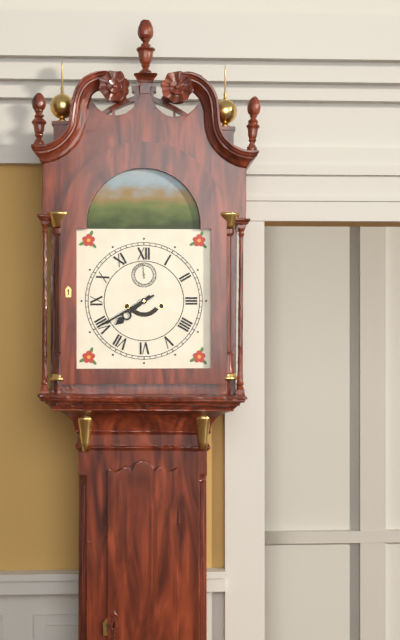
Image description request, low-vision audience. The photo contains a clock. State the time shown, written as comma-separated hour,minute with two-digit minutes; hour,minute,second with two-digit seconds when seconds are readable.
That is 7,40
